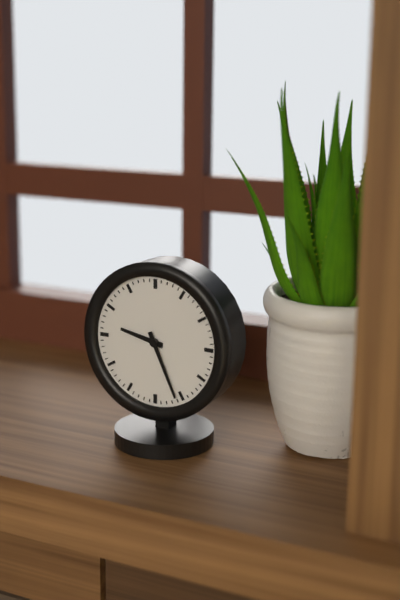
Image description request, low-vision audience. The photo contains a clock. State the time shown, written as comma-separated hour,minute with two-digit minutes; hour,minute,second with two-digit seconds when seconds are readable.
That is 9,26
